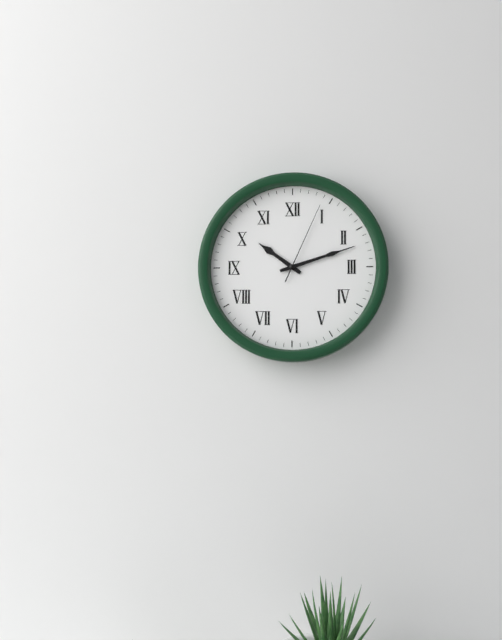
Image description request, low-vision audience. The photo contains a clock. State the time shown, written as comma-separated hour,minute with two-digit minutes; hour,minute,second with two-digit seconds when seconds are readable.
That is 10,12,04
